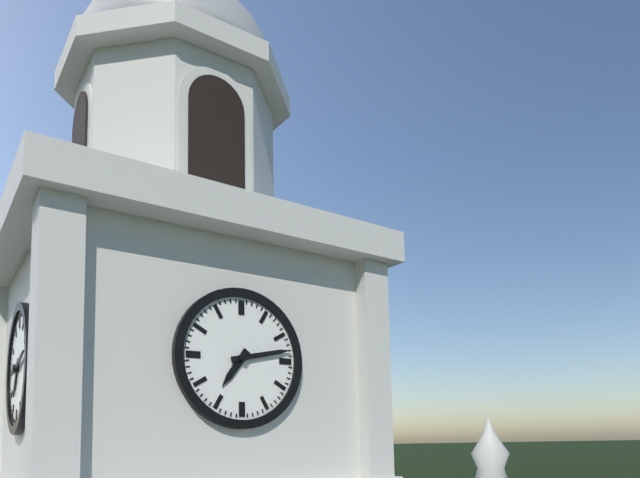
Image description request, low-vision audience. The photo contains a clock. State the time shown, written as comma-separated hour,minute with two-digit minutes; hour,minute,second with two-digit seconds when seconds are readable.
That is 7,13
